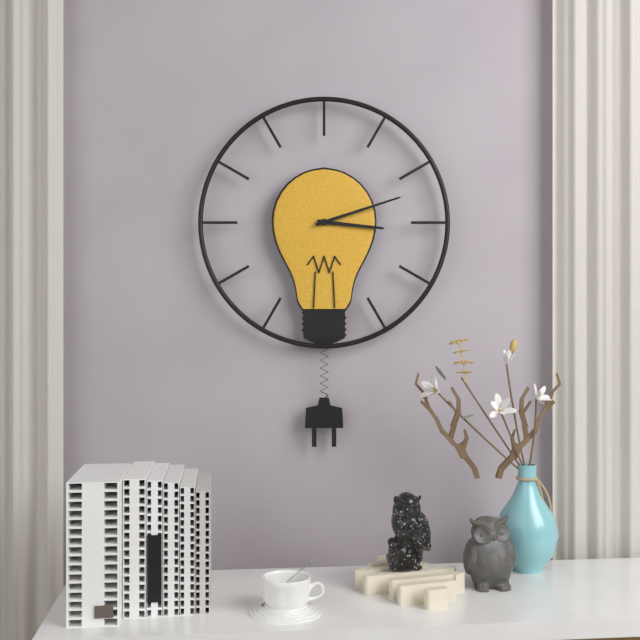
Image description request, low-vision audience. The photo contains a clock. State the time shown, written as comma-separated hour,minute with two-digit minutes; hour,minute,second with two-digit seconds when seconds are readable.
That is 3,12
